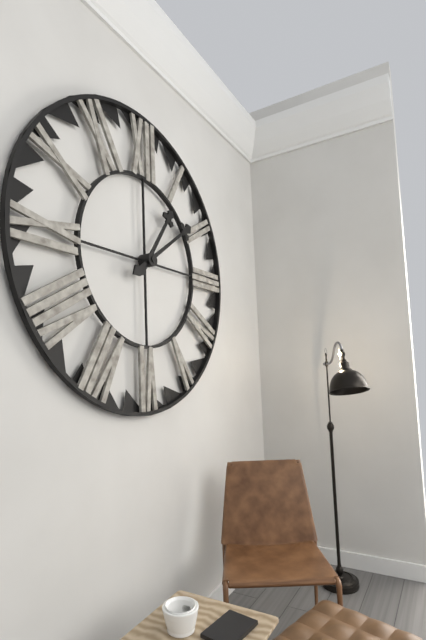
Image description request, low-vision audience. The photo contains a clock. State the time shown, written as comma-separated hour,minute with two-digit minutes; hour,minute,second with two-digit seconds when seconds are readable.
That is 1,09
